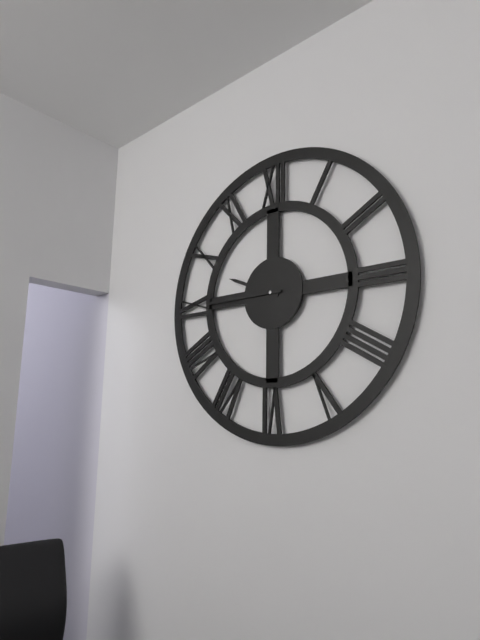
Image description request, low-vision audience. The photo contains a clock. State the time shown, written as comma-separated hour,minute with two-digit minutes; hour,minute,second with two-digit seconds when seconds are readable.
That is 9,45
